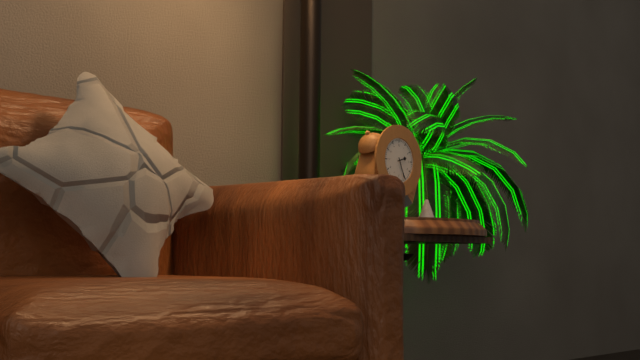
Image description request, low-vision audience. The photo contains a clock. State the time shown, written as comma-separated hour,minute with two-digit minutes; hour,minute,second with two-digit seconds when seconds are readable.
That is 2,26
